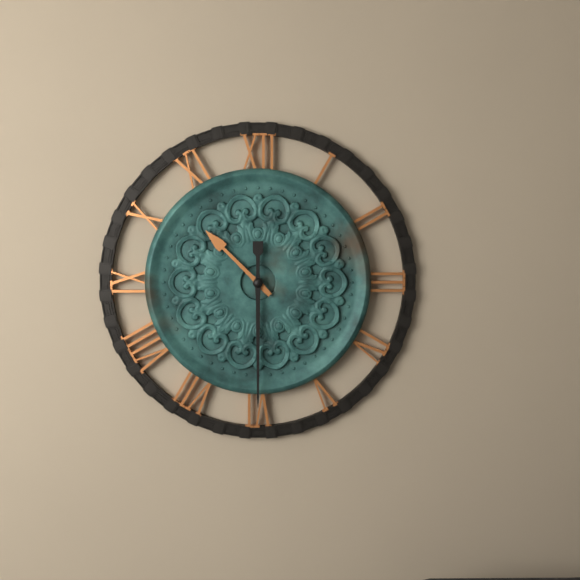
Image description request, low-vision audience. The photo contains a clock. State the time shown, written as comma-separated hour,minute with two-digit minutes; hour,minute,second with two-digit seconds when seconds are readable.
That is 10,30
